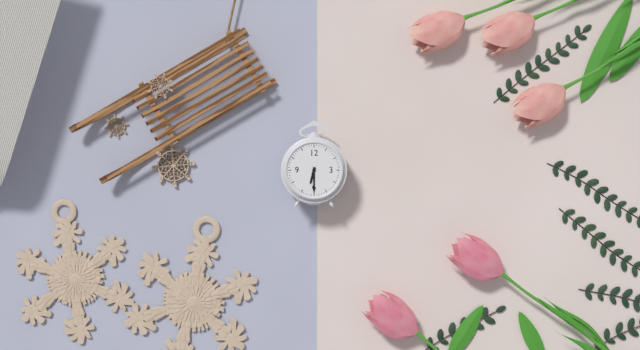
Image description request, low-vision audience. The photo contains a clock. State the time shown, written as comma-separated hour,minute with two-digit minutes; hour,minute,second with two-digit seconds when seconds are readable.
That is 6,30
